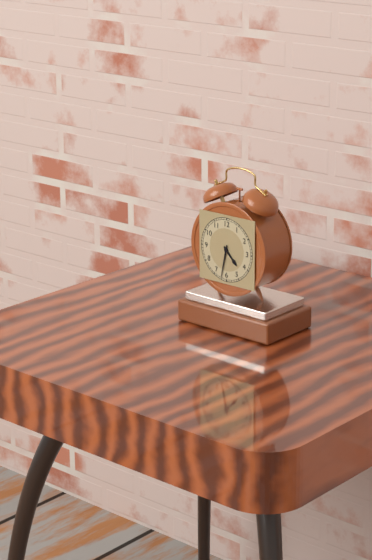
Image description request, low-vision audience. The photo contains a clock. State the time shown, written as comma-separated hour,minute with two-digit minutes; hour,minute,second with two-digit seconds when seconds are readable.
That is 4,32
